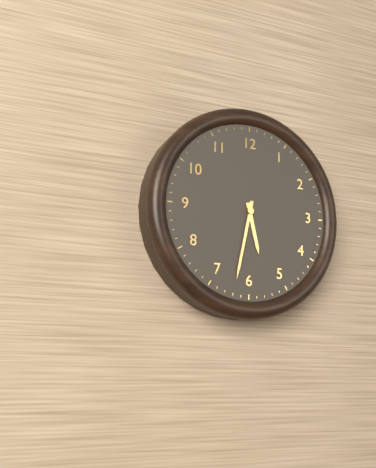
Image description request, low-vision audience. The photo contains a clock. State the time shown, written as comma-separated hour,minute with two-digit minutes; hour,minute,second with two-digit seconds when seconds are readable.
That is 5,32
